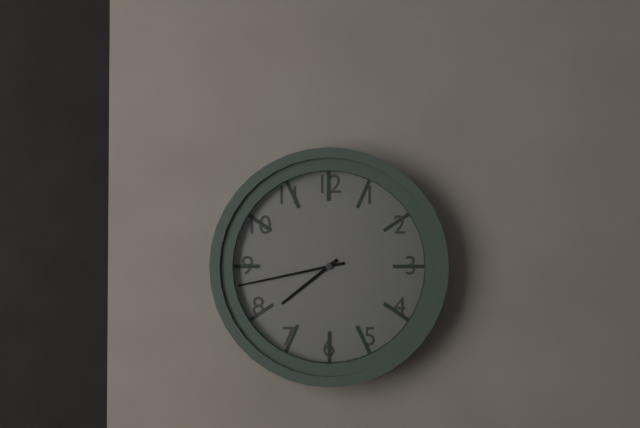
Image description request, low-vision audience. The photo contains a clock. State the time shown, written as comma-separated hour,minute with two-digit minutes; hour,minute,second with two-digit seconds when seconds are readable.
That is 7,43
